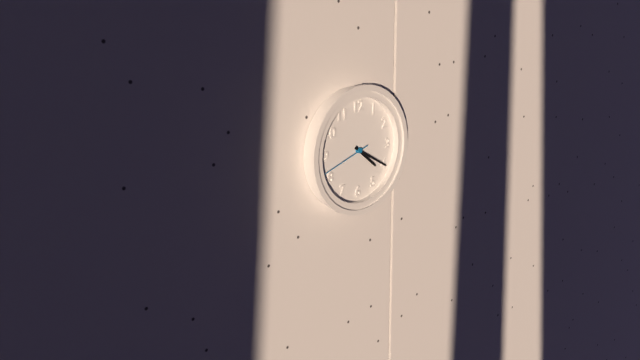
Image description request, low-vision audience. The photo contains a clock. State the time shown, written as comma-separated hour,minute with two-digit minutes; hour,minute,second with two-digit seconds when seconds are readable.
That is 4,20,42
